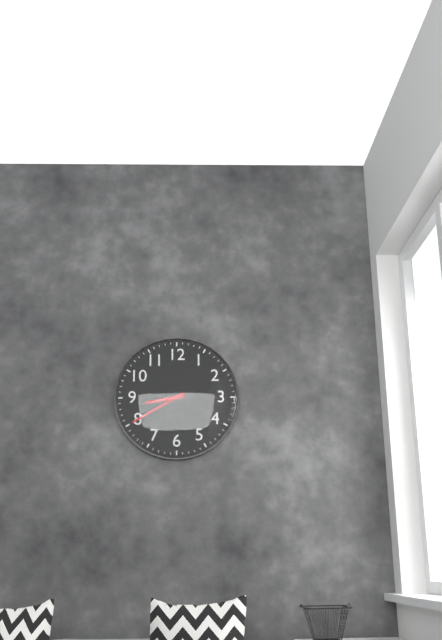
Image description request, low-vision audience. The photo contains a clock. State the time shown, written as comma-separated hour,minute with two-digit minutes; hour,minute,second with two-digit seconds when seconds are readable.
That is 8,40
